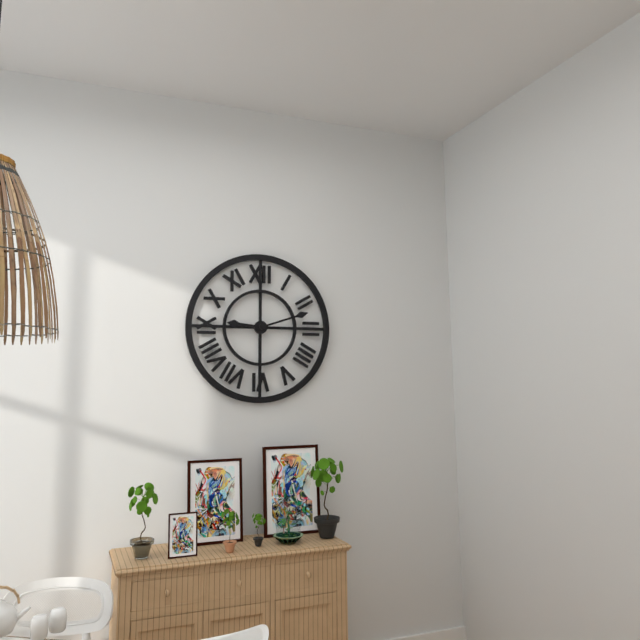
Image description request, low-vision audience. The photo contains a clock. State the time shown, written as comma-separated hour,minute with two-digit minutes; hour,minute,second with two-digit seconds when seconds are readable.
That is 9,12
